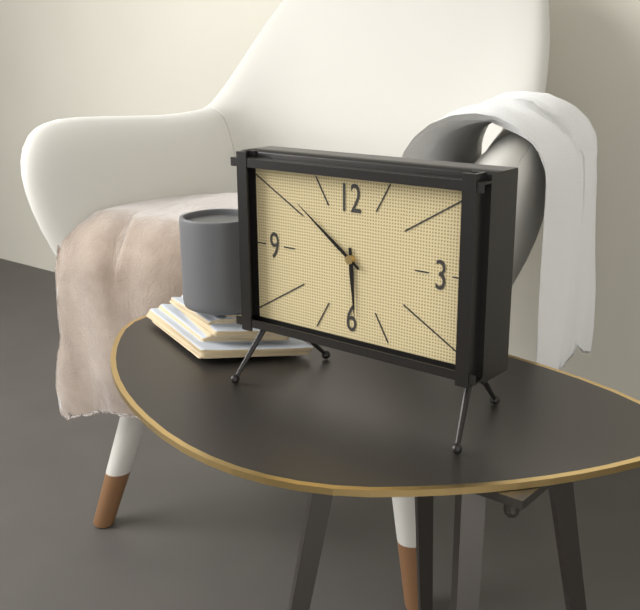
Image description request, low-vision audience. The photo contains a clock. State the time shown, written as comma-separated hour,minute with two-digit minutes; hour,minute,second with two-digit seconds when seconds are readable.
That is 5,51
